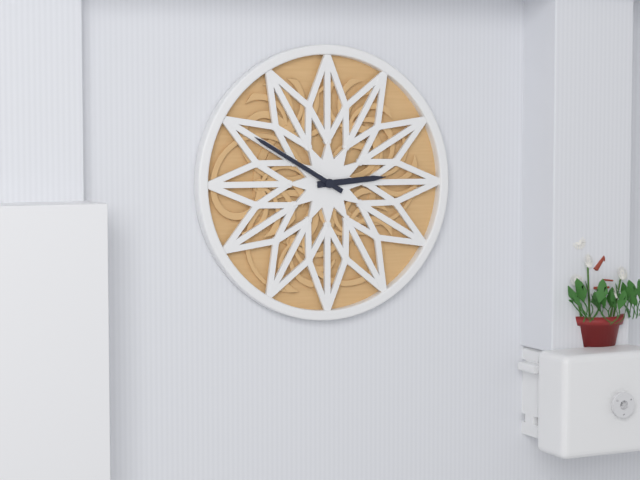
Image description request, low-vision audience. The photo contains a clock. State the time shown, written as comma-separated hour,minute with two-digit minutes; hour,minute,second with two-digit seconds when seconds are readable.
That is 2,50
